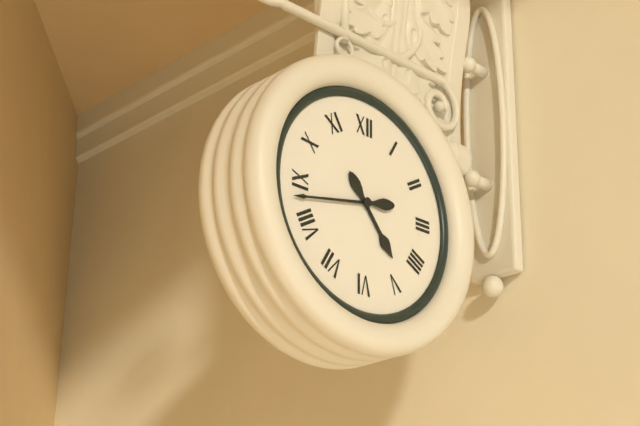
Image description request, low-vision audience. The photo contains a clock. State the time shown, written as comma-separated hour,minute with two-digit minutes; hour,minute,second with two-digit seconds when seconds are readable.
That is 4,43
